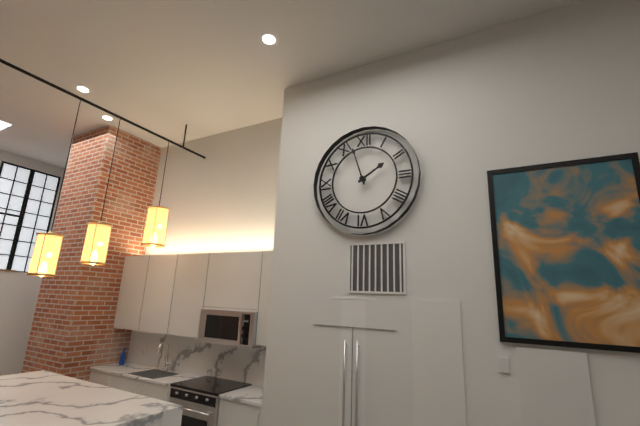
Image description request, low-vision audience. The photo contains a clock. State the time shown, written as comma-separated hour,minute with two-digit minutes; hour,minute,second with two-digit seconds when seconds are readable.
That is 1,57
